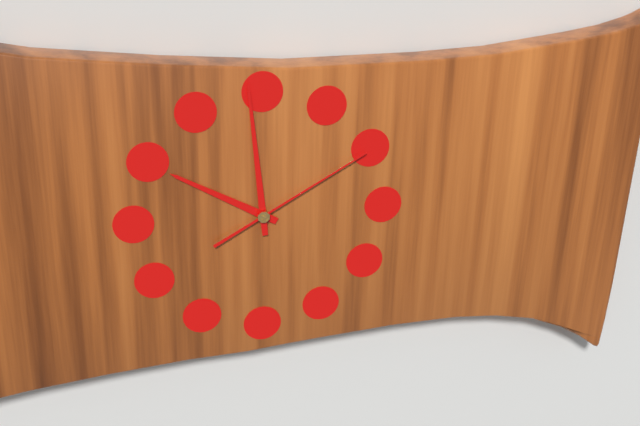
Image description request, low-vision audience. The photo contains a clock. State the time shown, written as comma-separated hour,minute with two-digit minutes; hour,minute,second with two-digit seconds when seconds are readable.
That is 9,59,10
